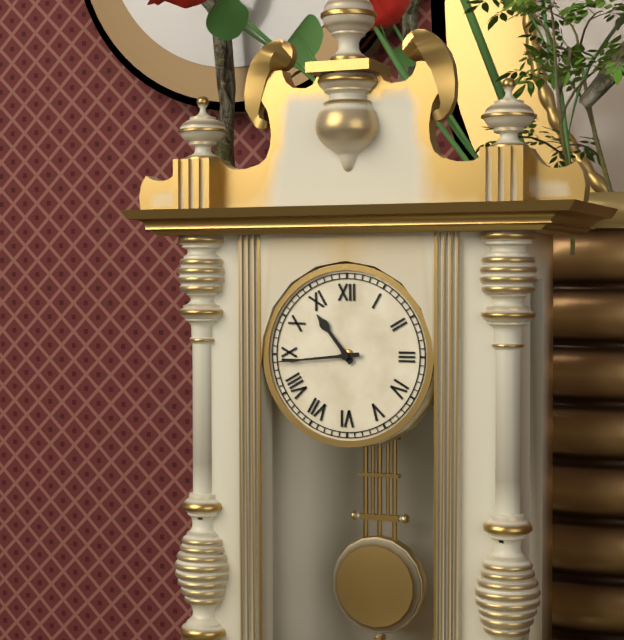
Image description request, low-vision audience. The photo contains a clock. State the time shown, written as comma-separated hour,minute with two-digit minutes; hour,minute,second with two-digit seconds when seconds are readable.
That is 10,44
